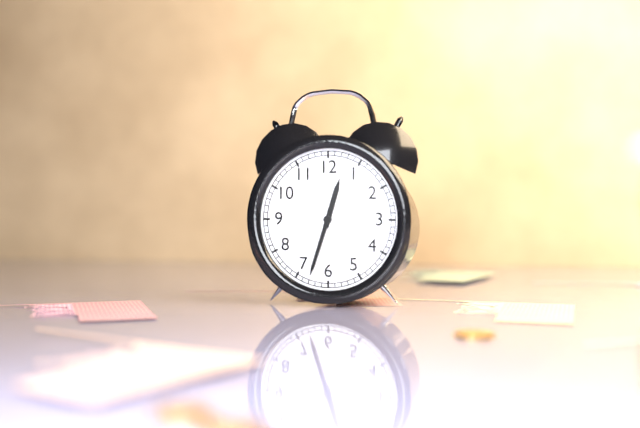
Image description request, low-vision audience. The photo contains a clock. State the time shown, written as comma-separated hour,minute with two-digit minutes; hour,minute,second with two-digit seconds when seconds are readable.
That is 12,33
